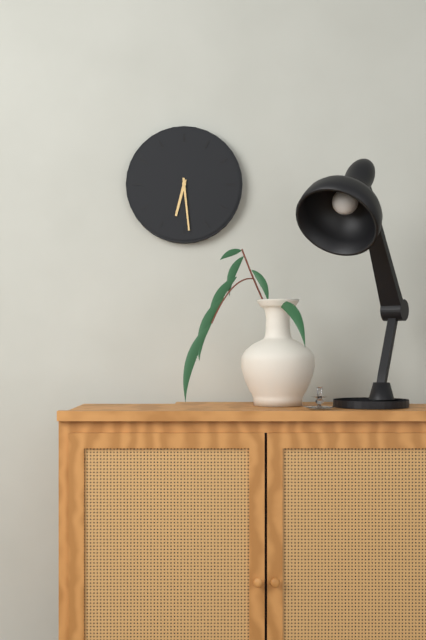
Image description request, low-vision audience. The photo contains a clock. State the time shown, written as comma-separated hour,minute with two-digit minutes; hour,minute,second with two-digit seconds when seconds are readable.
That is 6,29
